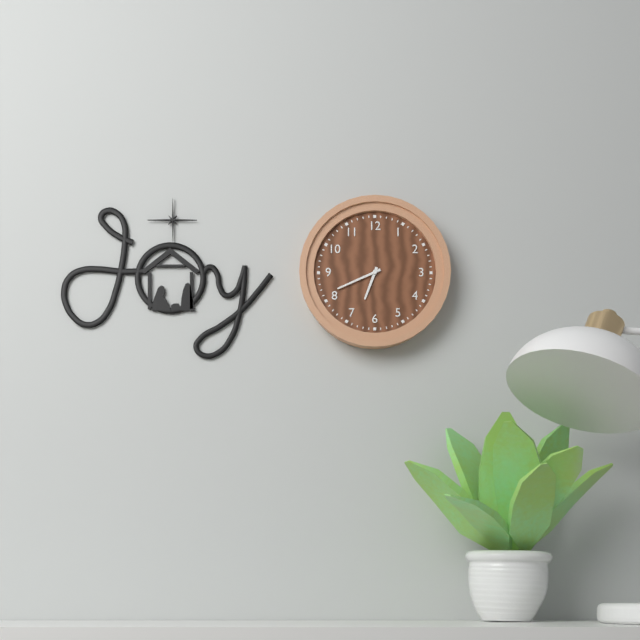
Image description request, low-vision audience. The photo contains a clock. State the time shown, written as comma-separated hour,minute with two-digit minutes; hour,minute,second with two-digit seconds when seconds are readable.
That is 6,41
